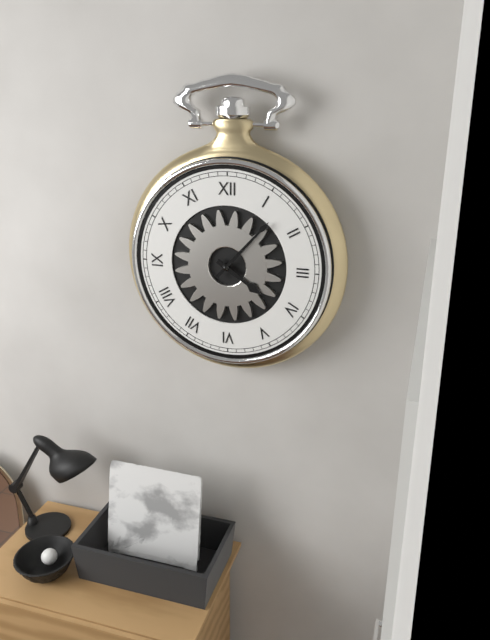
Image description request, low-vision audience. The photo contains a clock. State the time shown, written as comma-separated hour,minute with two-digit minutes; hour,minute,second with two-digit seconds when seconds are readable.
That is 4,07
